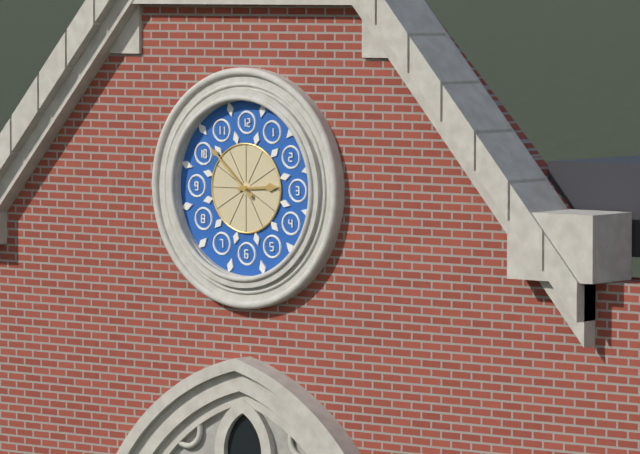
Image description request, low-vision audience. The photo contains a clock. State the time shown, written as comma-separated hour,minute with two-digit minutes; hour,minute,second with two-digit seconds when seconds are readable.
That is 2,52
